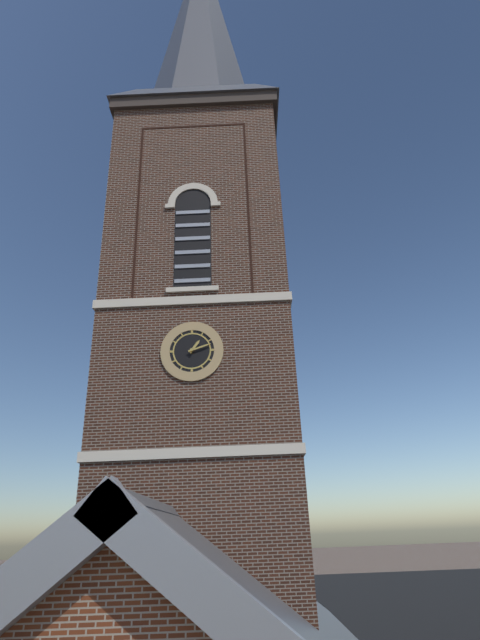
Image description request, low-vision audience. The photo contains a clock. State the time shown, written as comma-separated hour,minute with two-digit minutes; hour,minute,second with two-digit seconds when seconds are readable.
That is 1,12
